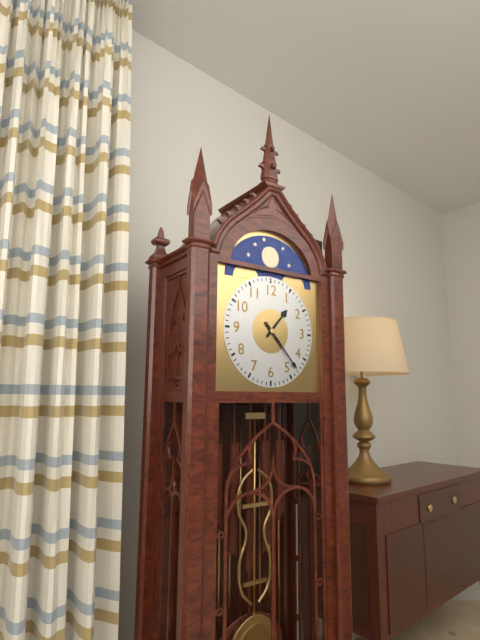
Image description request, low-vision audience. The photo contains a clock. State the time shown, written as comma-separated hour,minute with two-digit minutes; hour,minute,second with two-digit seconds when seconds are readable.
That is 1,23
